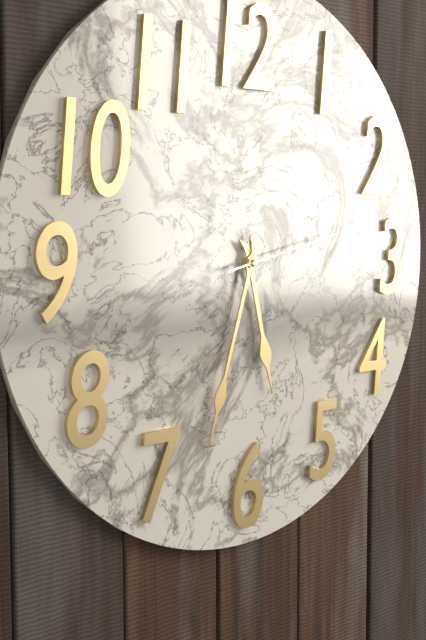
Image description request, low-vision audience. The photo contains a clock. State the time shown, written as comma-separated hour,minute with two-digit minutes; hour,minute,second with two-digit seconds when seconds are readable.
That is 5,33,13
